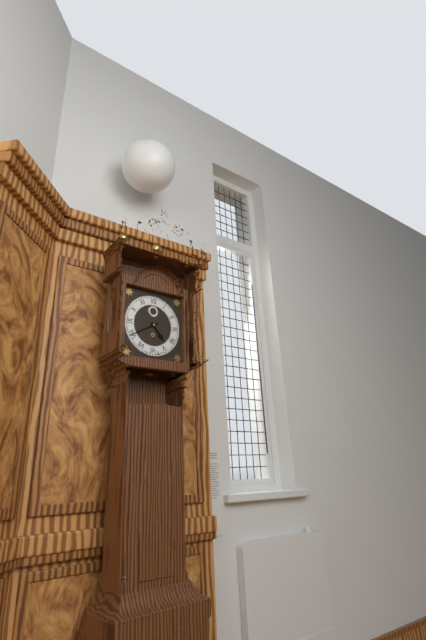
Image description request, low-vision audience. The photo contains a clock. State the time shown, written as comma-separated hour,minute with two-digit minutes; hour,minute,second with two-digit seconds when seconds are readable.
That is 4,40
